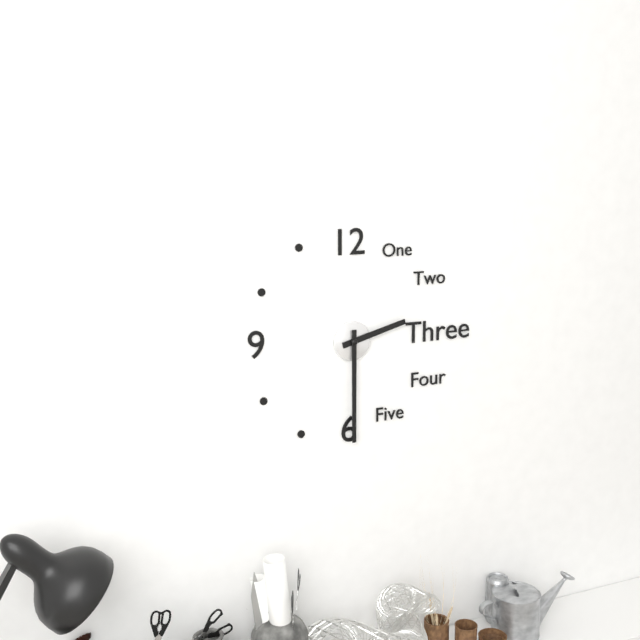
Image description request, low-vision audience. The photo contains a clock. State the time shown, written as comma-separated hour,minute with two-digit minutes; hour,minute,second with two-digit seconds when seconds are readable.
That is 2,30
